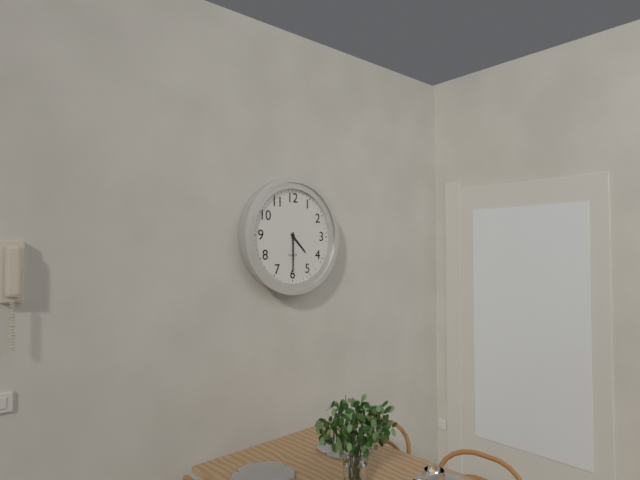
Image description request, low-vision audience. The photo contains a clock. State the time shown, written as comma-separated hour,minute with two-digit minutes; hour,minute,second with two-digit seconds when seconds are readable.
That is 4,30
